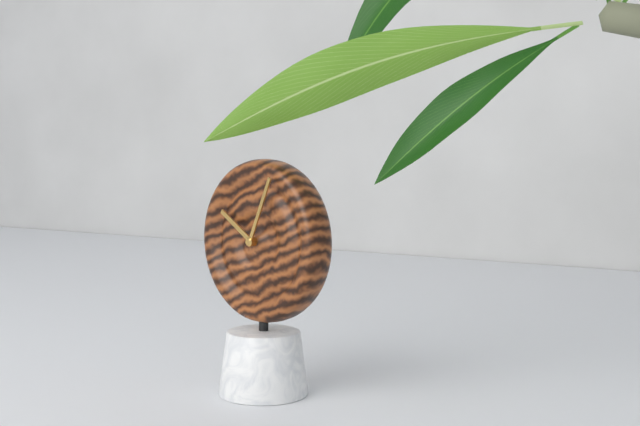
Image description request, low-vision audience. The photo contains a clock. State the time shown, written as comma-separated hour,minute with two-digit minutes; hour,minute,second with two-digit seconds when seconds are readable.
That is 10,04
